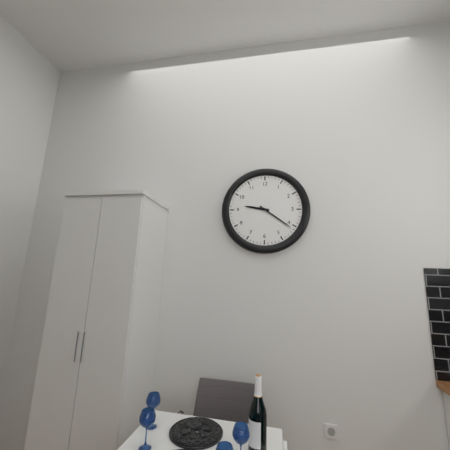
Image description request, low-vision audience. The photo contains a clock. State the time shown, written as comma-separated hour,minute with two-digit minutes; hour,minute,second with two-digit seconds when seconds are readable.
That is 9,21
